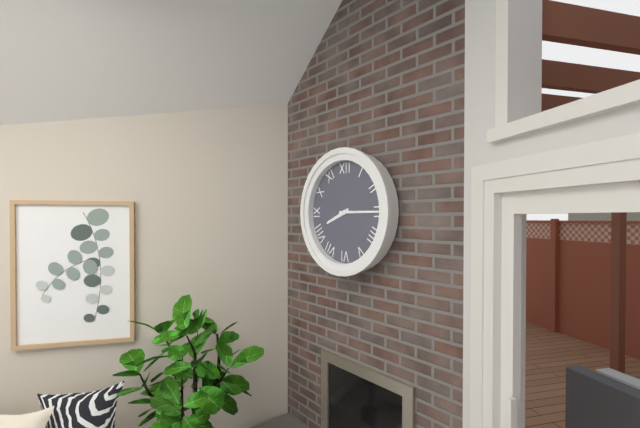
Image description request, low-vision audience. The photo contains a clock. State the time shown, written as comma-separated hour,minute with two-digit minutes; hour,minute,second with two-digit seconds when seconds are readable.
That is 8,15
